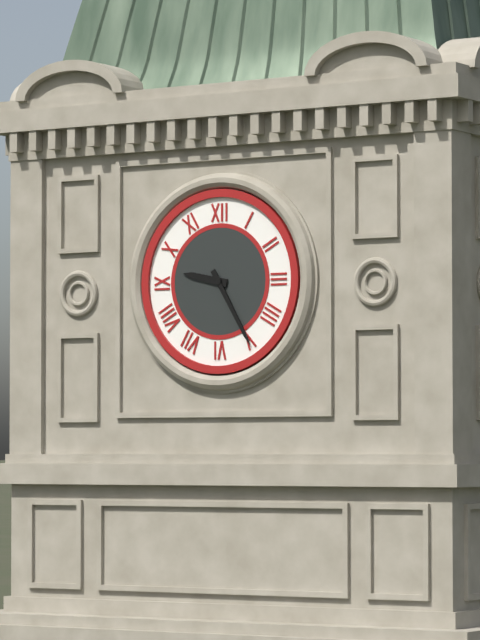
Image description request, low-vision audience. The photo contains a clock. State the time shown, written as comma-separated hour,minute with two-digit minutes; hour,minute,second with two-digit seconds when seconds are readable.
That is 9,25
